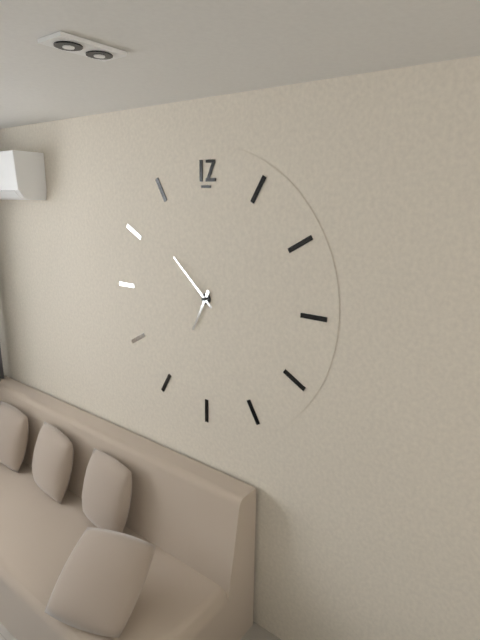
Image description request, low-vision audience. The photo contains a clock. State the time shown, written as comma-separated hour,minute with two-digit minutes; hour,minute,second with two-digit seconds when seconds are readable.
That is 6,52
